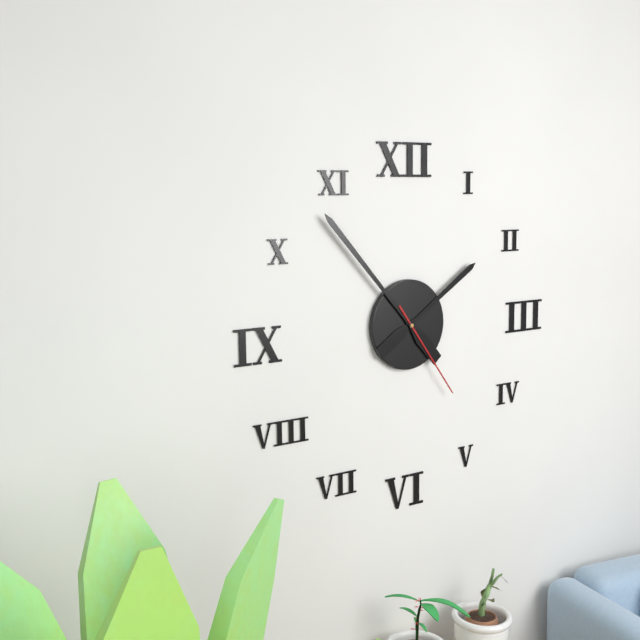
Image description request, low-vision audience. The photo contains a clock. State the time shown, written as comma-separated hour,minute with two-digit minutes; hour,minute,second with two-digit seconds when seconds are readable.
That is 1,53,24
